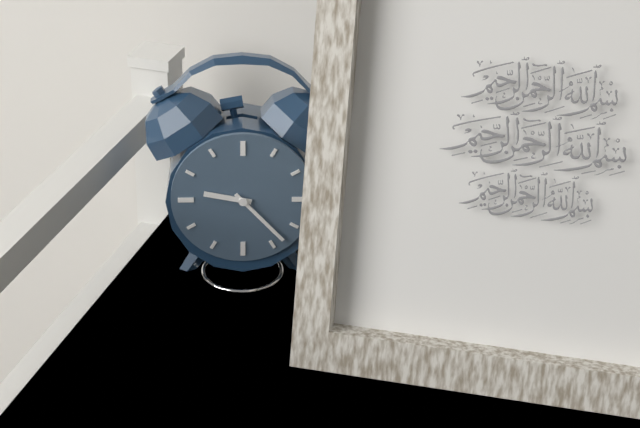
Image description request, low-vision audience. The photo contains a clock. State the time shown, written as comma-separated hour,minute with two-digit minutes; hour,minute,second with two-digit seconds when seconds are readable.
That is 9,23
